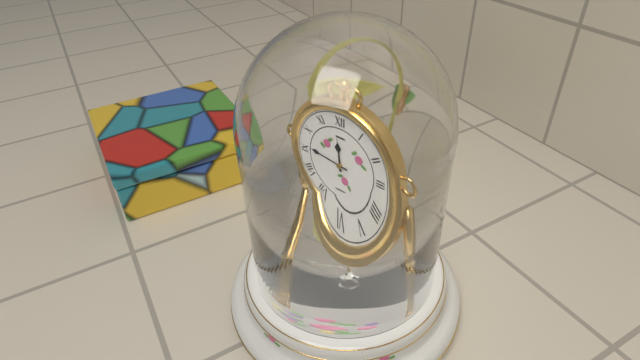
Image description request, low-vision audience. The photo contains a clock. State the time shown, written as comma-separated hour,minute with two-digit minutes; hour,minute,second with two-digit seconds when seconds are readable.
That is 11,46
